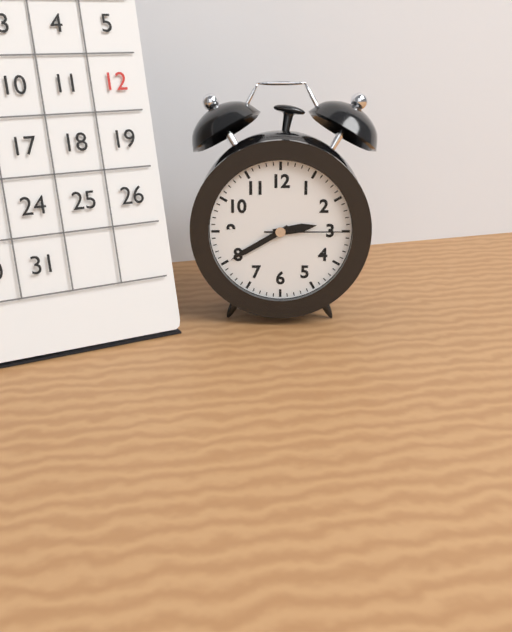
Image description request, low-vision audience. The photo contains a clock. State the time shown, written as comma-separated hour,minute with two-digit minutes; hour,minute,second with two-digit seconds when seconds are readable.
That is 2,40,15
